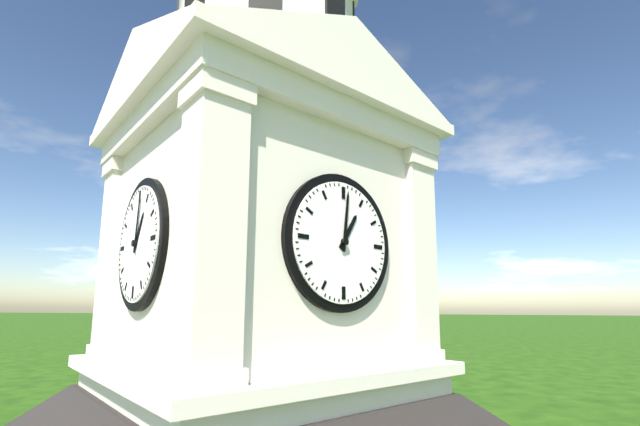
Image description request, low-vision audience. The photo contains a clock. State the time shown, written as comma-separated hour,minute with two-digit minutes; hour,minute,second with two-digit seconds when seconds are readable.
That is 1,01
